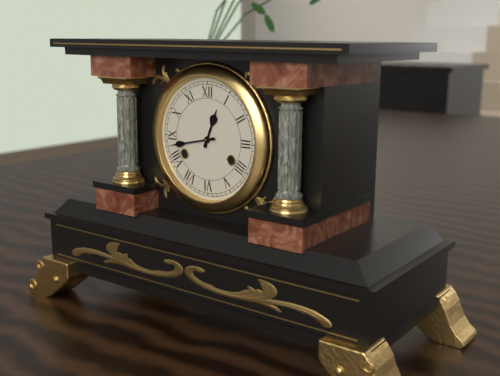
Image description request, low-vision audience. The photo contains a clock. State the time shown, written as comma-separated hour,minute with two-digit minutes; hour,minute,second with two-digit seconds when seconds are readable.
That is 12,43
